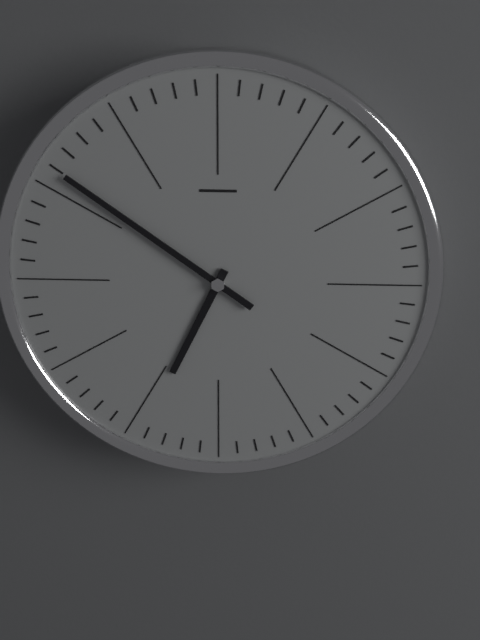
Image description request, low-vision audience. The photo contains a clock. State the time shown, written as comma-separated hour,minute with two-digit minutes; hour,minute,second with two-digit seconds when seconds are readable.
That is 6,51
